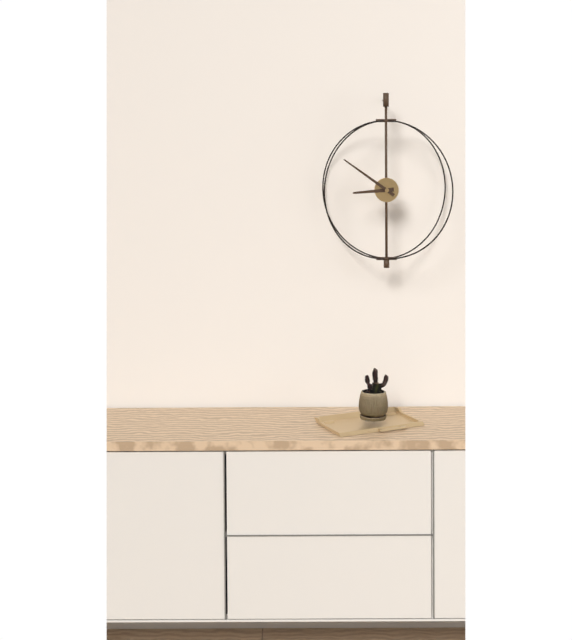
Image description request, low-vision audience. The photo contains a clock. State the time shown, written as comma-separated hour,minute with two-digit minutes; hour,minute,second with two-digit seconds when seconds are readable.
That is 8,51
